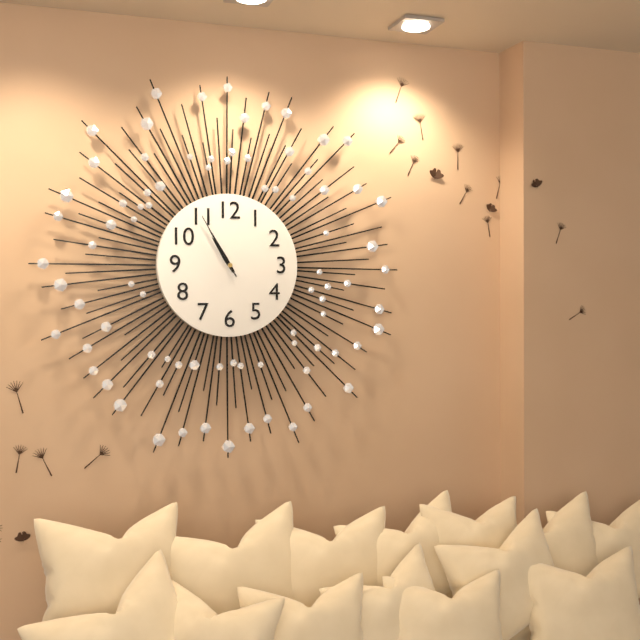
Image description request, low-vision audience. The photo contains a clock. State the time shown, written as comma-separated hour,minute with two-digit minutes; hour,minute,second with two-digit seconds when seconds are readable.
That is 10,55,55
